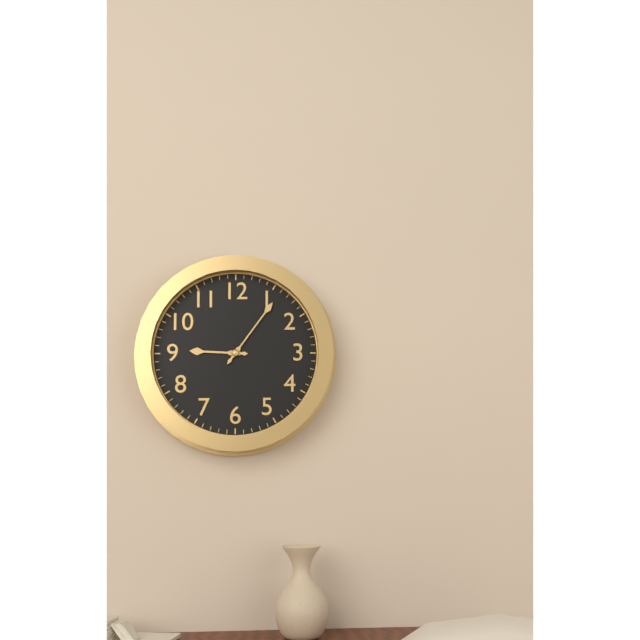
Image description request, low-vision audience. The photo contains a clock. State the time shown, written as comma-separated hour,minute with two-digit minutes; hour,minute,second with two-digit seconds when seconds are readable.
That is 9,06
